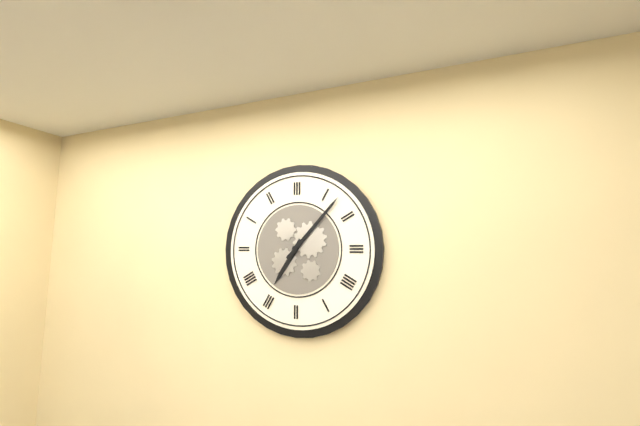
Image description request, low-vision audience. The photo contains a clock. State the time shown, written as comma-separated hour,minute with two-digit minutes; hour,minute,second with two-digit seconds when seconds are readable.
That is 7,07
